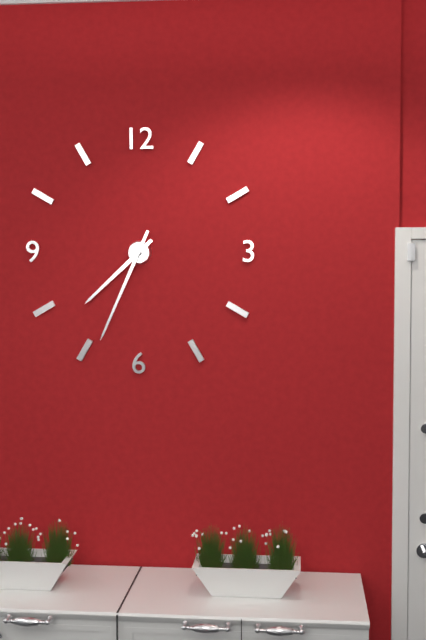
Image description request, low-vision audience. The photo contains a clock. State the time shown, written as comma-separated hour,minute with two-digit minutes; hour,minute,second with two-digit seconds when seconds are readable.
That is 7,34
